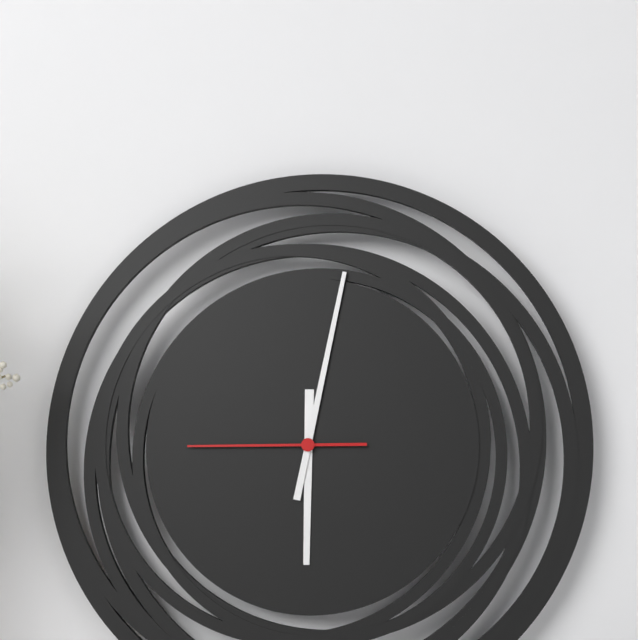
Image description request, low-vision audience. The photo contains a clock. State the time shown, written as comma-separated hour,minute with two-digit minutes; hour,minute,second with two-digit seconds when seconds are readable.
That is 6,02,45
